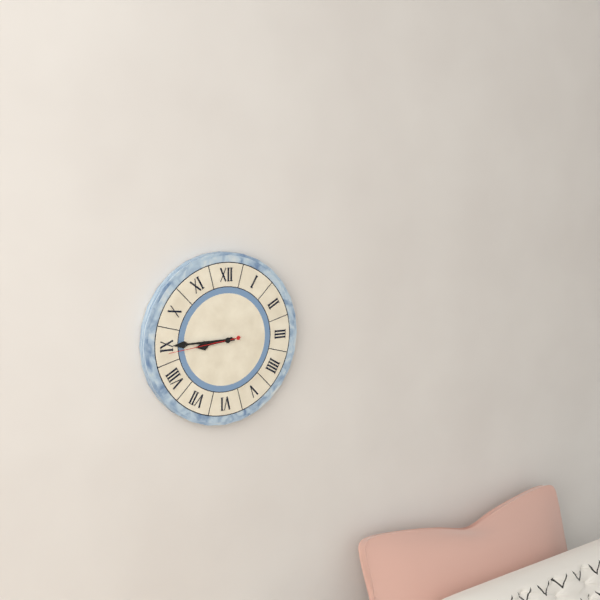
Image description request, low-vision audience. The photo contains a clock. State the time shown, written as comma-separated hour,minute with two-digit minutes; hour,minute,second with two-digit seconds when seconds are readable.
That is 8,45,44
